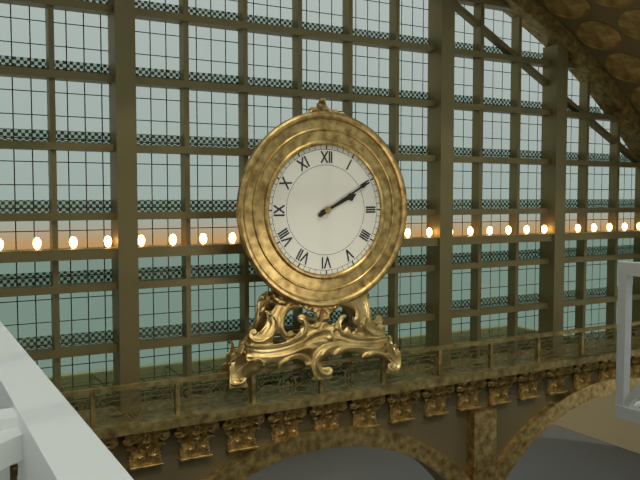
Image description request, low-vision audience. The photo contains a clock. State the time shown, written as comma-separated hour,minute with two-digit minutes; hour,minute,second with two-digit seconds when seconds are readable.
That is 2,10
